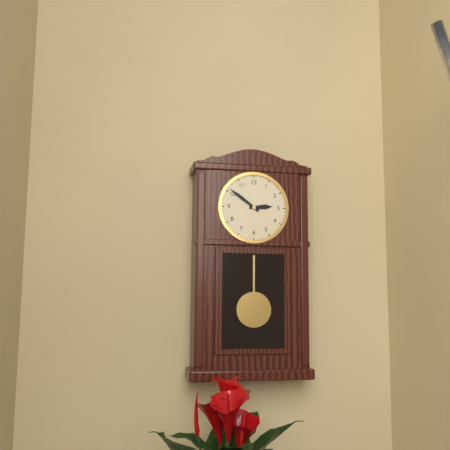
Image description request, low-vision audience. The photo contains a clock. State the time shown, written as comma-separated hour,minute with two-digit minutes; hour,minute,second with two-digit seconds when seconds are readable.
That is 2,51
